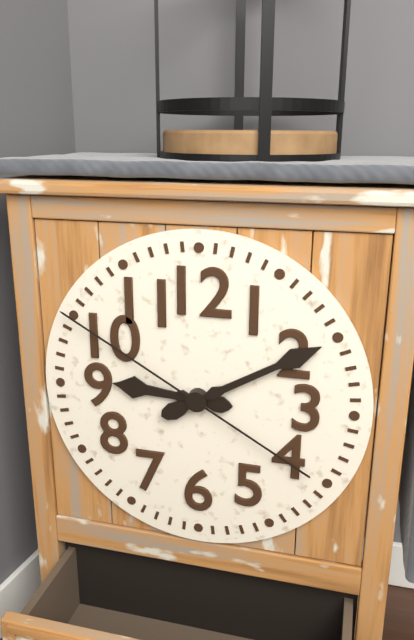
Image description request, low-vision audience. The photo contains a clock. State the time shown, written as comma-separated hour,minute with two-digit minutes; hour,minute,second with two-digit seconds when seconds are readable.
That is 9,10,50
